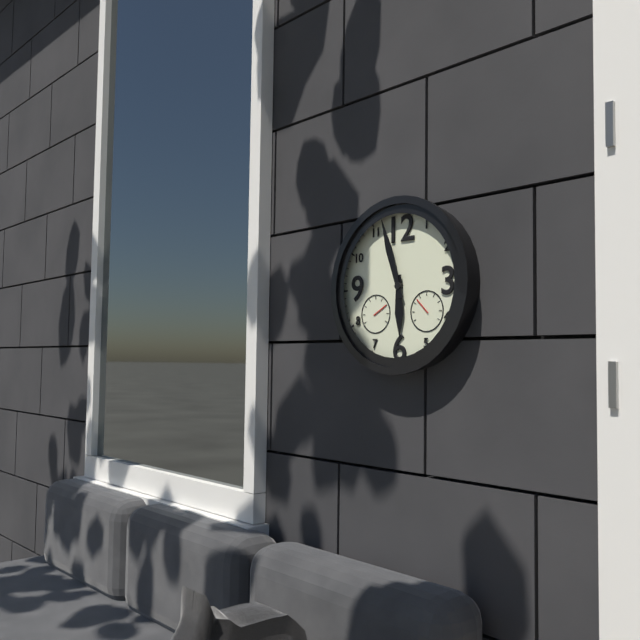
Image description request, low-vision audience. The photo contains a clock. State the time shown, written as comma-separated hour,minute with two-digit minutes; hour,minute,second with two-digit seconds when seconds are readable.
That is 5,57
